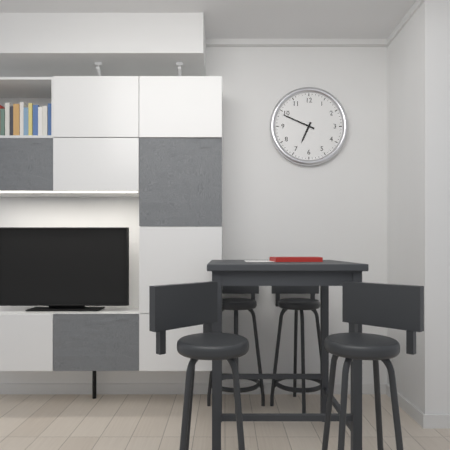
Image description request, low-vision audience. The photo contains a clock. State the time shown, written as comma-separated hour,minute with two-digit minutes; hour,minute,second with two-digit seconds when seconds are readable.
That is 6,49
